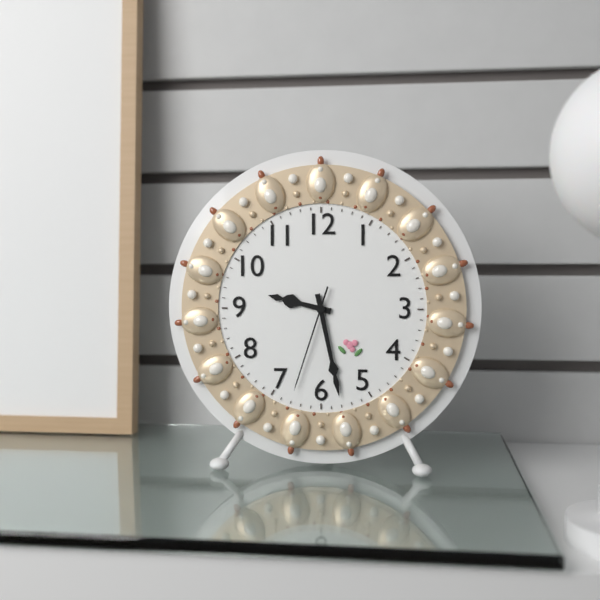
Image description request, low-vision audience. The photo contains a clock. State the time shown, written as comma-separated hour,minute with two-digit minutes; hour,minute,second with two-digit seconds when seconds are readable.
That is 9,28,33
